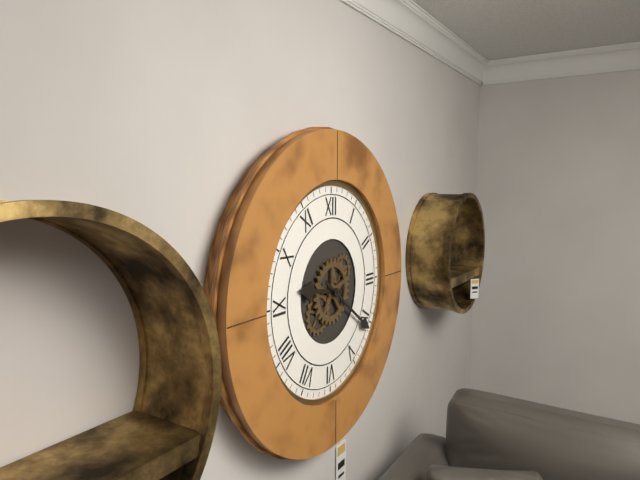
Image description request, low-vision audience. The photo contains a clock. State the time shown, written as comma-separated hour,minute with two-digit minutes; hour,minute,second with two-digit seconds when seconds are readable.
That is 9,21
